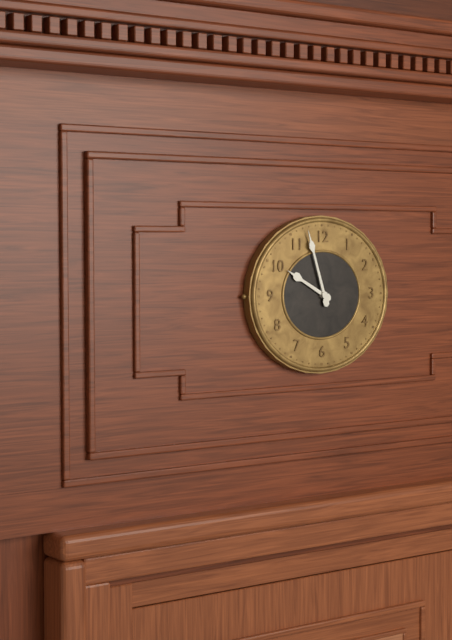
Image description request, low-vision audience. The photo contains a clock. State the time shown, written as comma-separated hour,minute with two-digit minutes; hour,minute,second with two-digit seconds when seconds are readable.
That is 9,57
